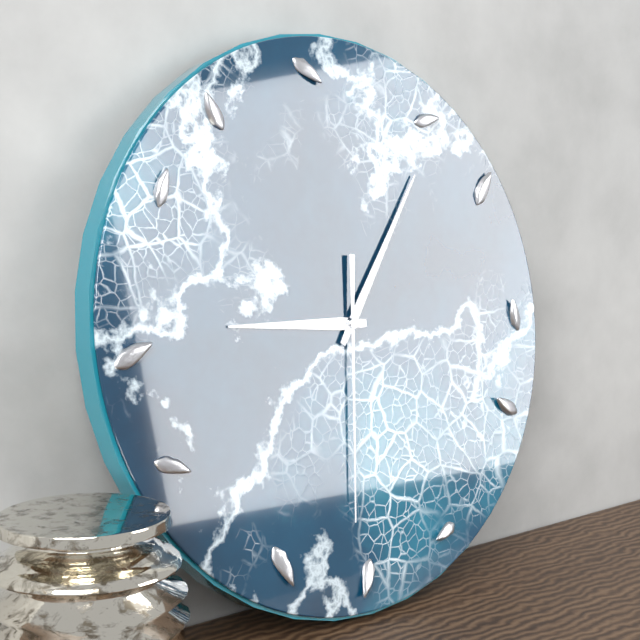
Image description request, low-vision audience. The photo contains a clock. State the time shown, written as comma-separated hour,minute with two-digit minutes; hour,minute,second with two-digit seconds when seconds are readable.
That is 9,06,31
